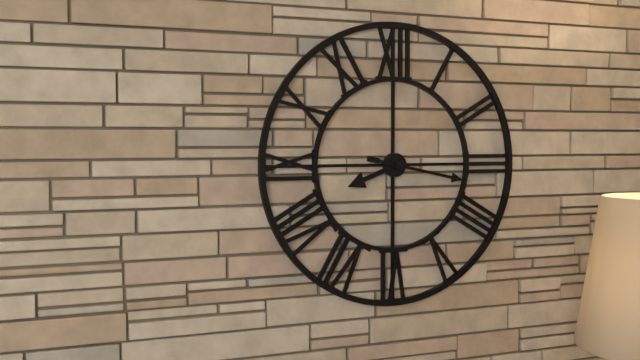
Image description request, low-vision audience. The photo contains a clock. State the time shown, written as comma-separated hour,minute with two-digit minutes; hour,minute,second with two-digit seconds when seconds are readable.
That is 8,17
